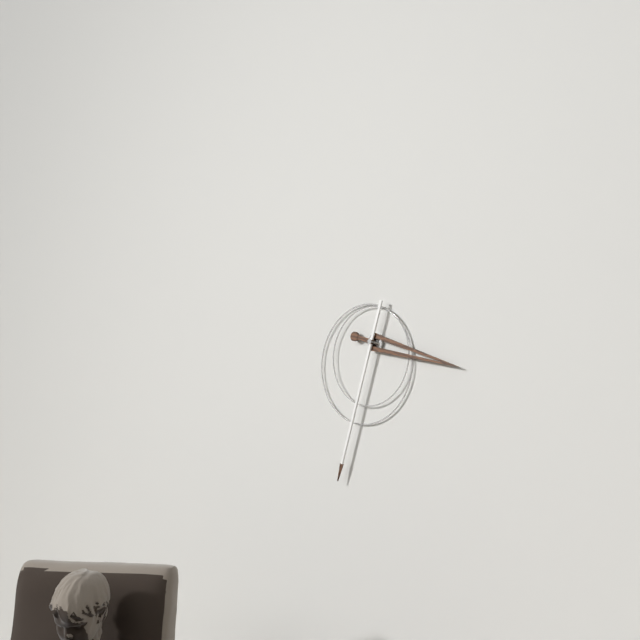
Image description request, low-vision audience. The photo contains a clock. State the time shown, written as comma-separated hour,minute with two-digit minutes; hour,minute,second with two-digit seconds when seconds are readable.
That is 3,33
